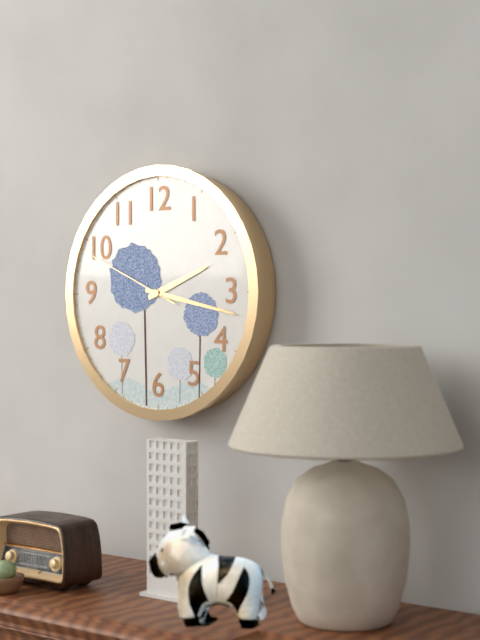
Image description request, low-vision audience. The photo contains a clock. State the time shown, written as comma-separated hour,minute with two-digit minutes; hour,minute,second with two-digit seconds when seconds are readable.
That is 2,17,49
